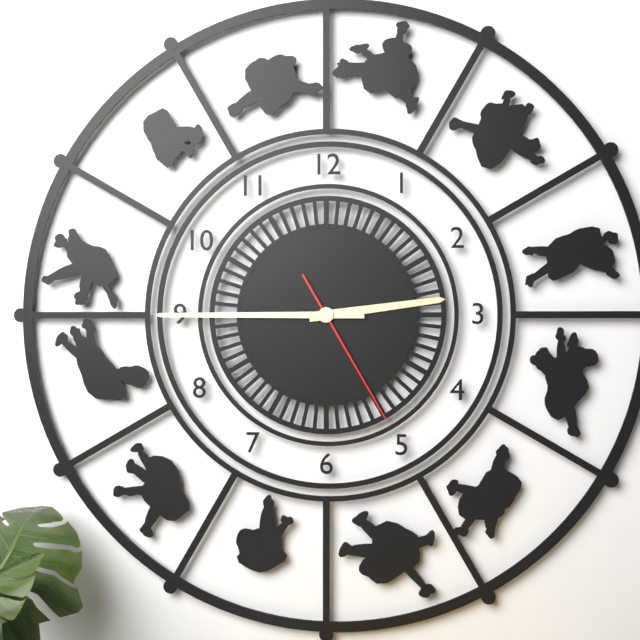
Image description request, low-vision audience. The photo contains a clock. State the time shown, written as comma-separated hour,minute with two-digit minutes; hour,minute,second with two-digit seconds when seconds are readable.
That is 2,45,25
